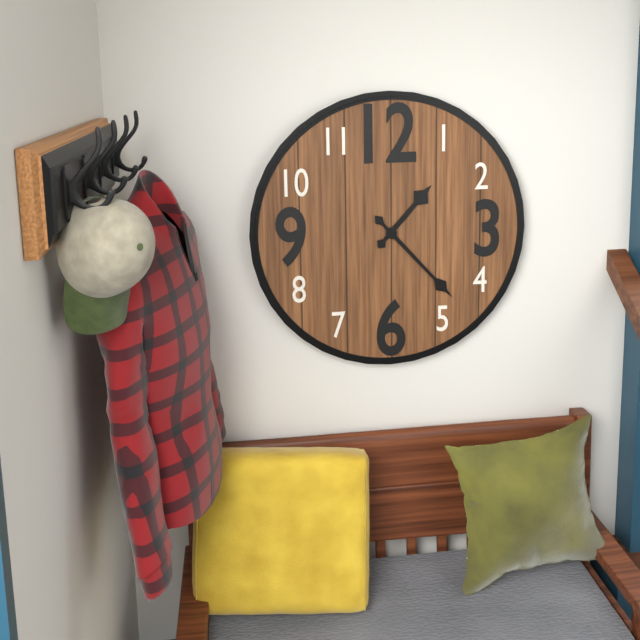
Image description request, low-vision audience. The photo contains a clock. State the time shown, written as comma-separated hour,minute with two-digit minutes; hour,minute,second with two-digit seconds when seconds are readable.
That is 1,23
